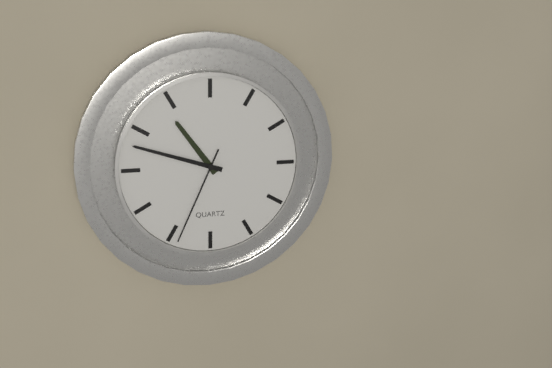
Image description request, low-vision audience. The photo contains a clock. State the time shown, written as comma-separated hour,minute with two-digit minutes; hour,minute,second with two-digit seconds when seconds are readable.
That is 10,48,34
